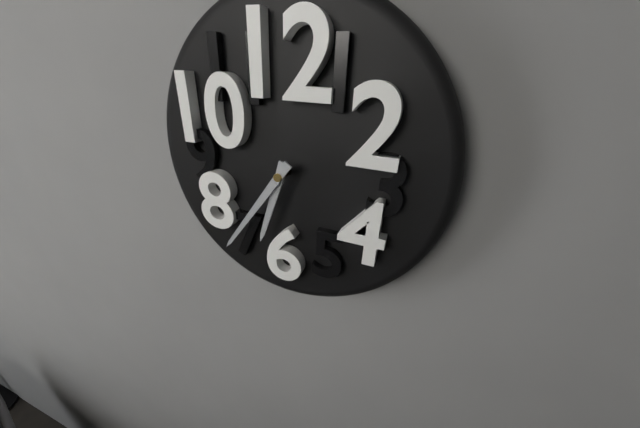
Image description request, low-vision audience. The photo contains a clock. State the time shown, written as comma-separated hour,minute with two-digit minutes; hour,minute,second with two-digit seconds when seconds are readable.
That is 6,36
